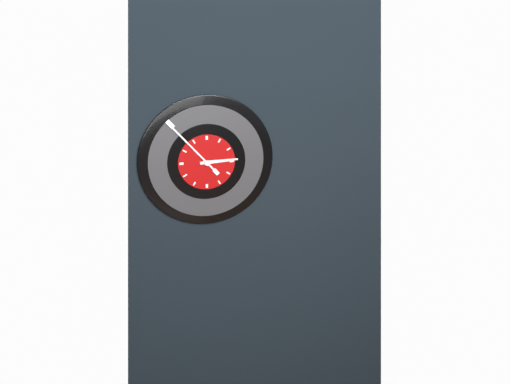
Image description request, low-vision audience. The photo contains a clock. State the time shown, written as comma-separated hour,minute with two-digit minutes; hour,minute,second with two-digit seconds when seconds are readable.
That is 2,53
